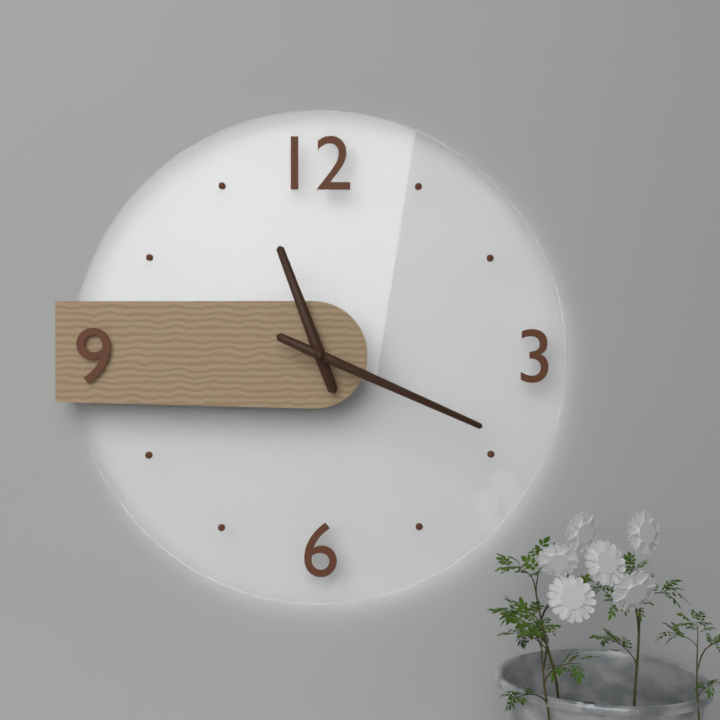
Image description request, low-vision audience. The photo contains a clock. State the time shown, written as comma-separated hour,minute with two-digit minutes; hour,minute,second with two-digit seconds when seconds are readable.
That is 11,19
